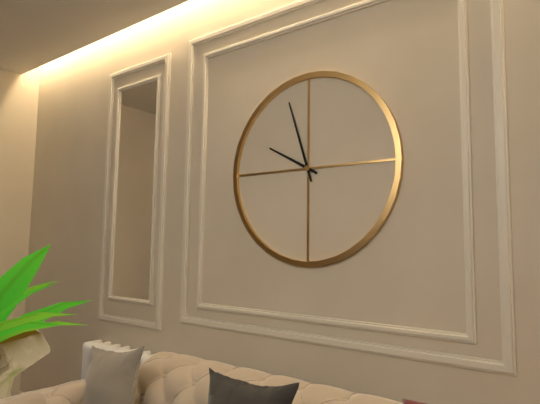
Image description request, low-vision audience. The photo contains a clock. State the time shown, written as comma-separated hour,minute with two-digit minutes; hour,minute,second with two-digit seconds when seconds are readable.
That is 9,57
